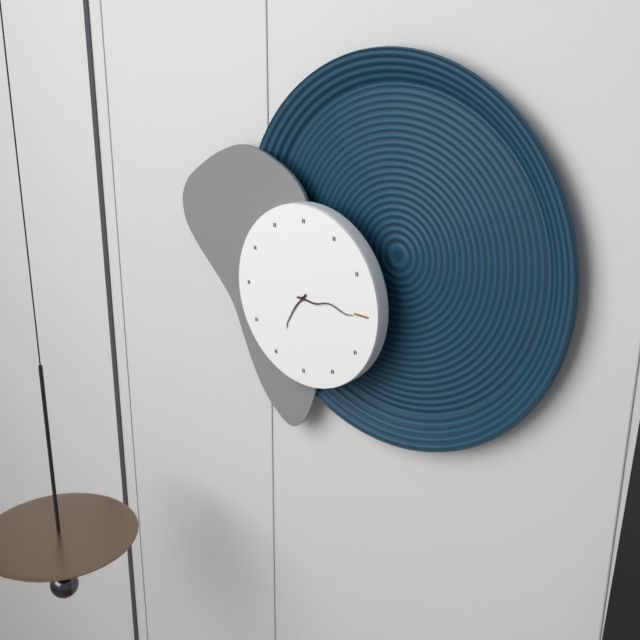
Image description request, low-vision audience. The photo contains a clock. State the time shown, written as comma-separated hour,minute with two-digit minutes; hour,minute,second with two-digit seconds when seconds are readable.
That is 7,15
